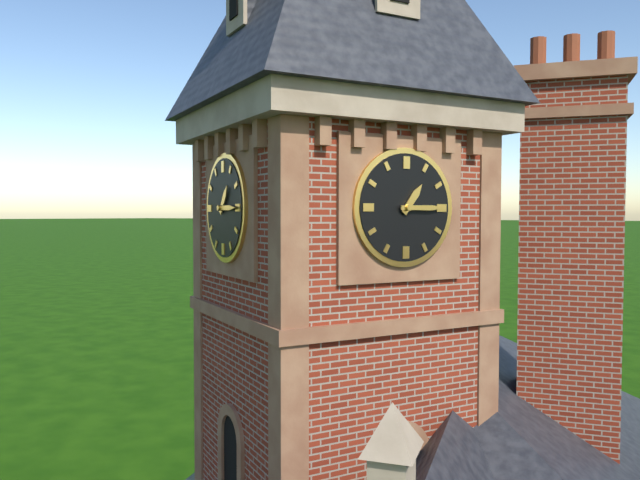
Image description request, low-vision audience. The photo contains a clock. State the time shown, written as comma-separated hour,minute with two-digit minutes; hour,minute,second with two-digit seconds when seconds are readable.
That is 1,15
